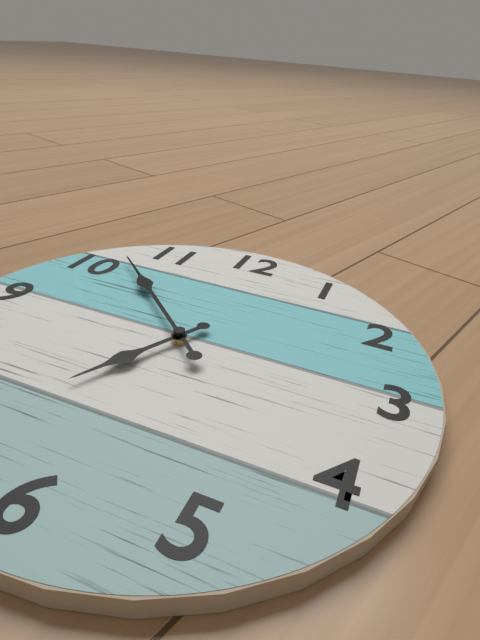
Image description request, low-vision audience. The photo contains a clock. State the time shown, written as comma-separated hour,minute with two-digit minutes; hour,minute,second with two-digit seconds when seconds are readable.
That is 6,52
